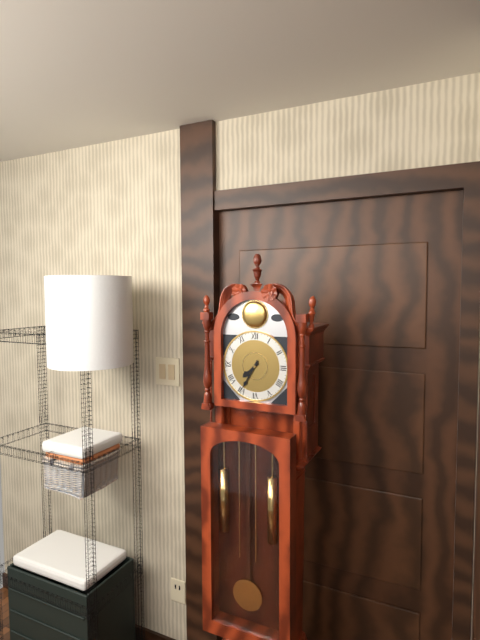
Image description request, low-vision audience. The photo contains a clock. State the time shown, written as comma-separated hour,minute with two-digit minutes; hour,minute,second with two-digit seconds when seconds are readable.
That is 7,35
